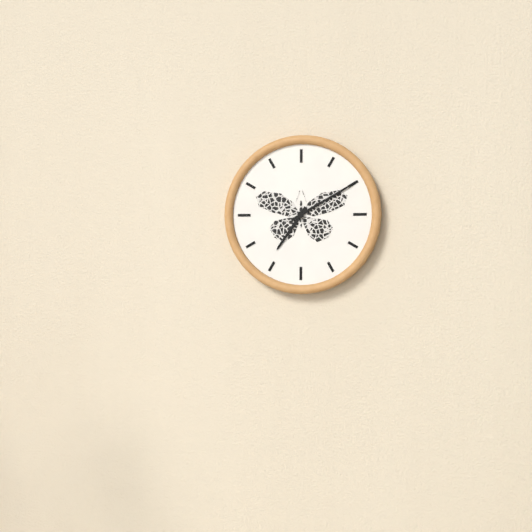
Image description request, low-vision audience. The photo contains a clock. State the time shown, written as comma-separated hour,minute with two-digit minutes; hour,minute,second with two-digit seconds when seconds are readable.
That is 7,10
